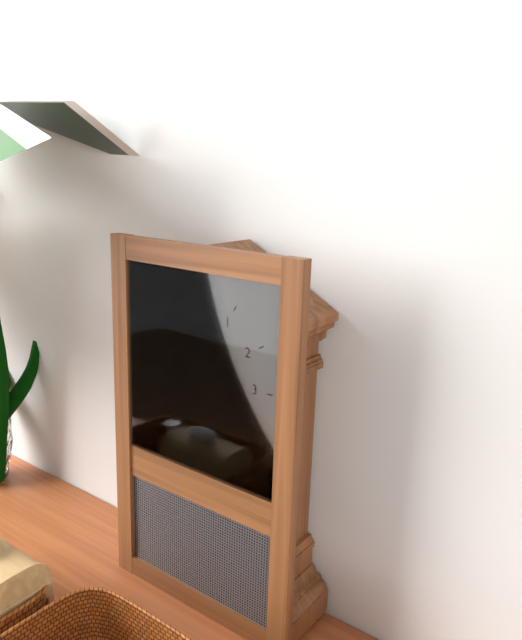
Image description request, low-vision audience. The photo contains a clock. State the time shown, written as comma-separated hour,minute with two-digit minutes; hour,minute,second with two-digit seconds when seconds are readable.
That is 6,33
